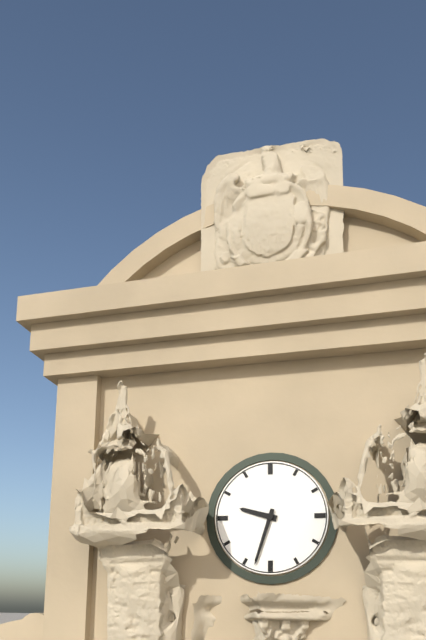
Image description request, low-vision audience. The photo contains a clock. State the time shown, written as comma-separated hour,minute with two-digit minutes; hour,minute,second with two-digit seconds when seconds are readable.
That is 9,33
